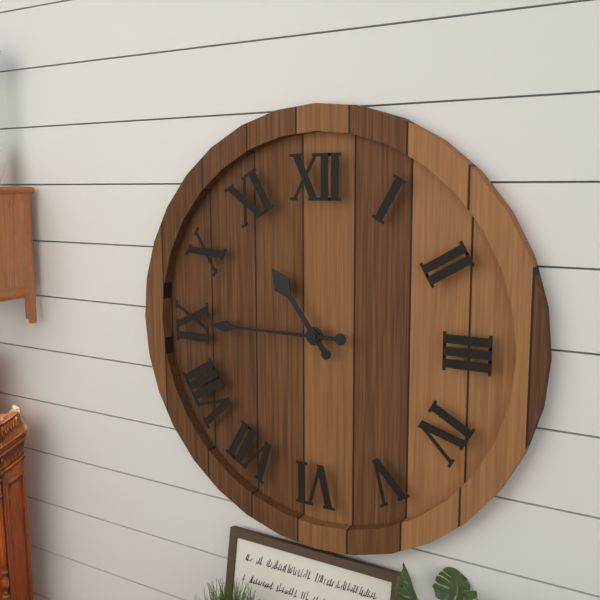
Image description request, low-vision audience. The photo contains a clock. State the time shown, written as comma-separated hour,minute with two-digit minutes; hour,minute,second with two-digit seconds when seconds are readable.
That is 10,45
